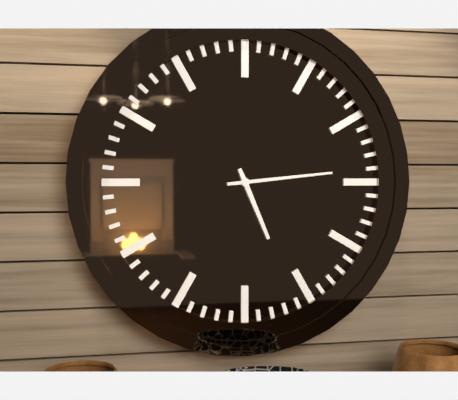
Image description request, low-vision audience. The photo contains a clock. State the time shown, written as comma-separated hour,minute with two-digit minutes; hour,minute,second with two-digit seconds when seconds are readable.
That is 5,14
